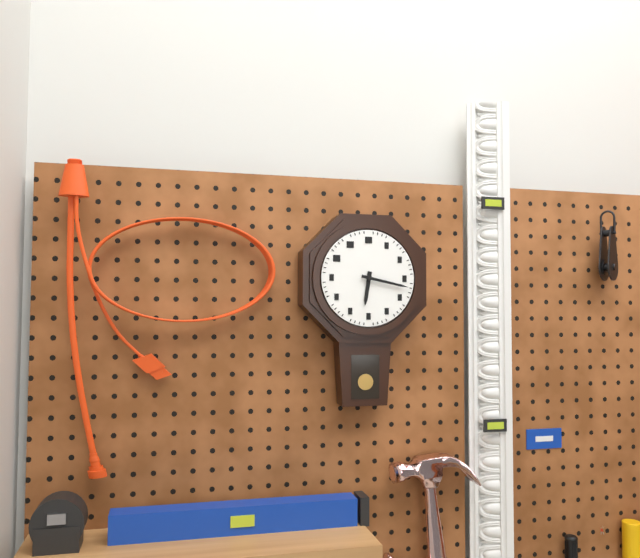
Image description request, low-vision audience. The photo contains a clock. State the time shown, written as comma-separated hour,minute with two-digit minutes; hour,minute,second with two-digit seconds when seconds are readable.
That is 6,17
